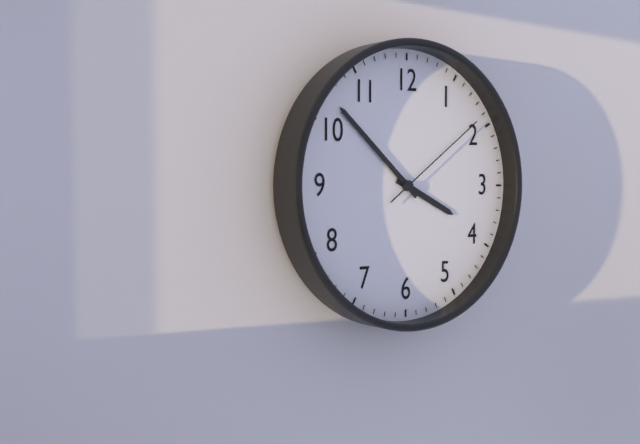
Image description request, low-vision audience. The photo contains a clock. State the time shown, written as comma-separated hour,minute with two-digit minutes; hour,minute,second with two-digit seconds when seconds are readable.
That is 3,52,09
